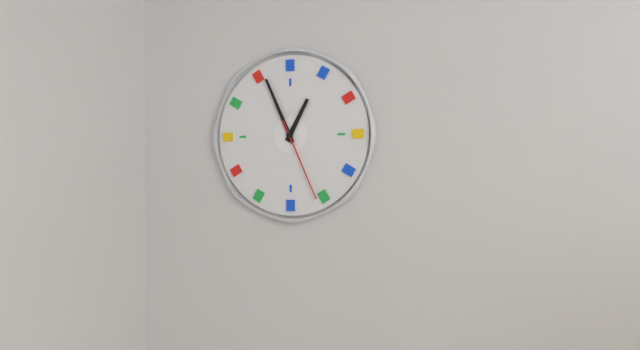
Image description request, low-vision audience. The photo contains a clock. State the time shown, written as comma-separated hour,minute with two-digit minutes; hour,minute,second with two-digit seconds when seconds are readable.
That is 12,56,26
